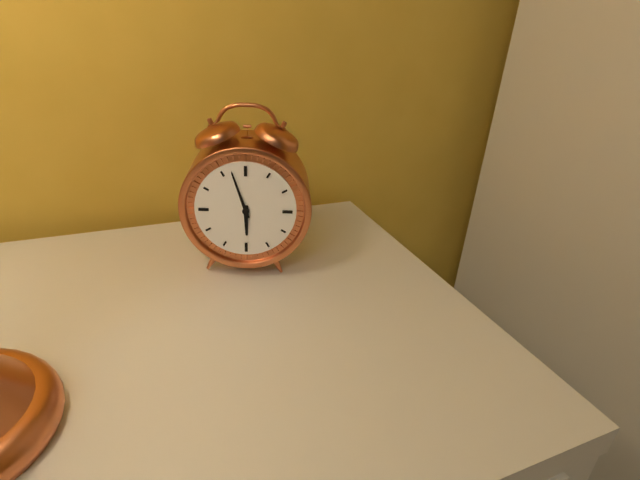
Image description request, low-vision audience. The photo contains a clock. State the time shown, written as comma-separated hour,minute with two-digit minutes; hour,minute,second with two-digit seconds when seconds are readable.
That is 5,57
